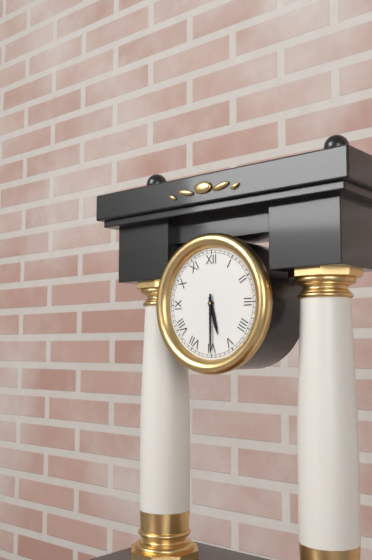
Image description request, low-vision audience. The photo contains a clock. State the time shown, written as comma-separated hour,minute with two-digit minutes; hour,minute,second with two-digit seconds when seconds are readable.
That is 5,30
